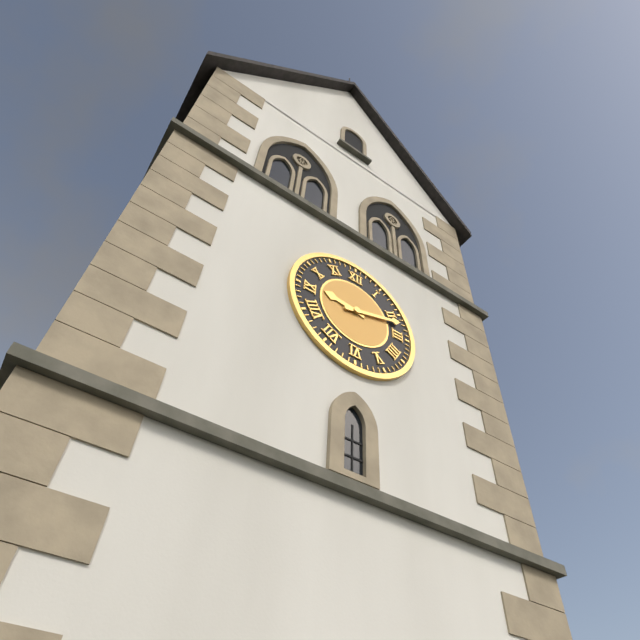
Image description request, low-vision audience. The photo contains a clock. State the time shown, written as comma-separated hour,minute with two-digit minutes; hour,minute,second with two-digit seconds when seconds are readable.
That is 9,12
